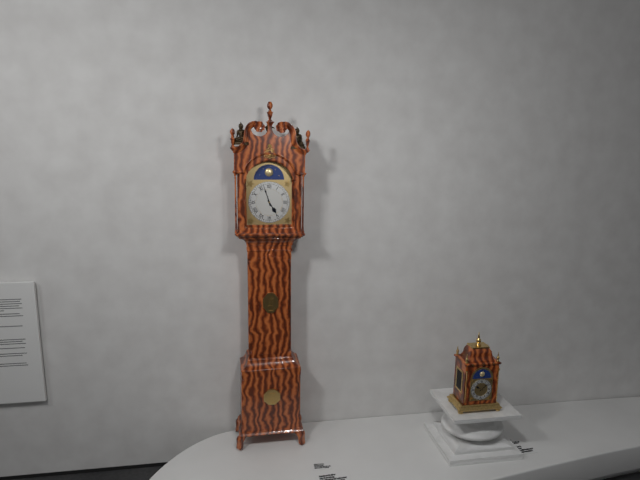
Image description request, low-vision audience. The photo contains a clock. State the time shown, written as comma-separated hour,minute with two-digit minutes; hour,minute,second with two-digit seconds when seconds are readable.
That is 4,57
